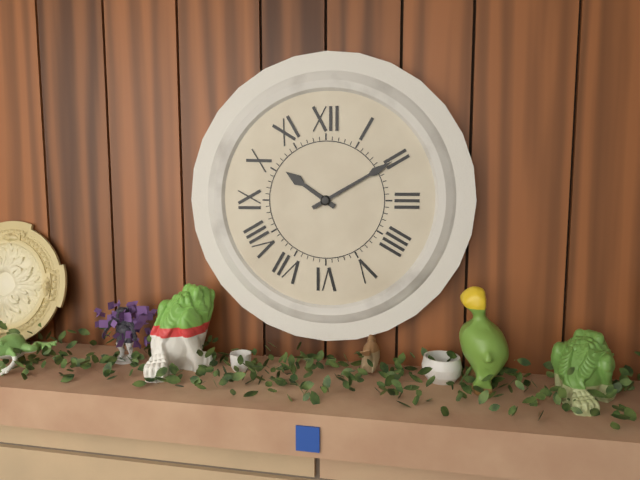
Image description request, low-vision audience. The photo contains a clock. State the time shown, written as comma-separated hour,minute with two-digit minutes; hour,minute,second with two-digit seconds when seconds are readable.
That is 10,10
